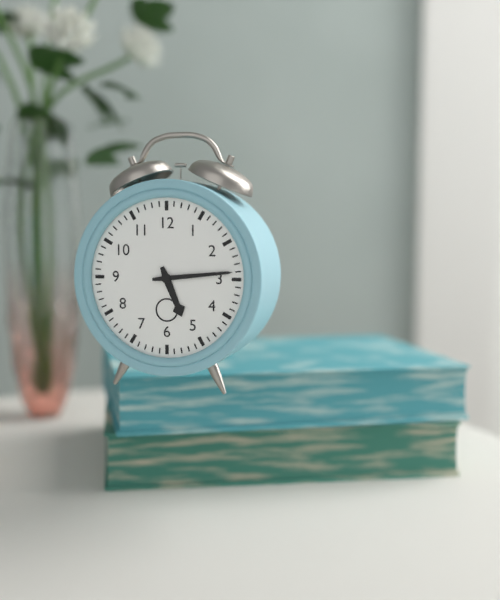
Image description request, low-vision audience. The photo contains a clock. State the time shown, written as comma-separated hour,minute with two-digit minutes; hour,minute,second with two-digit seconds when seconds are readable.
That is 5,14
